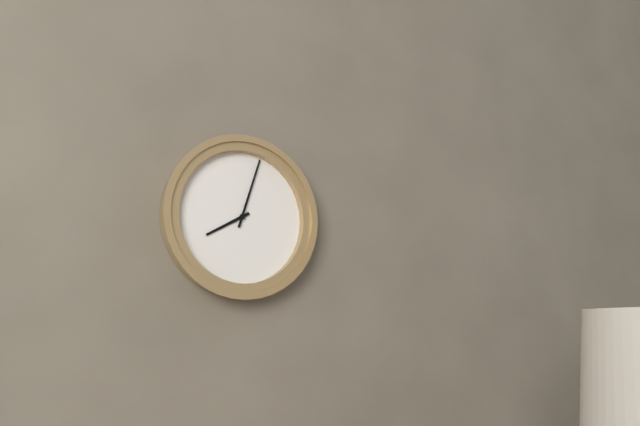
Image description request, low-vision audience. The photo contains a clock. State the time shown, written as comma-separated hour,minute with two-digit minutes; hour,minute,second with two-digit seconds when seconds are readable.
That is 8,03
